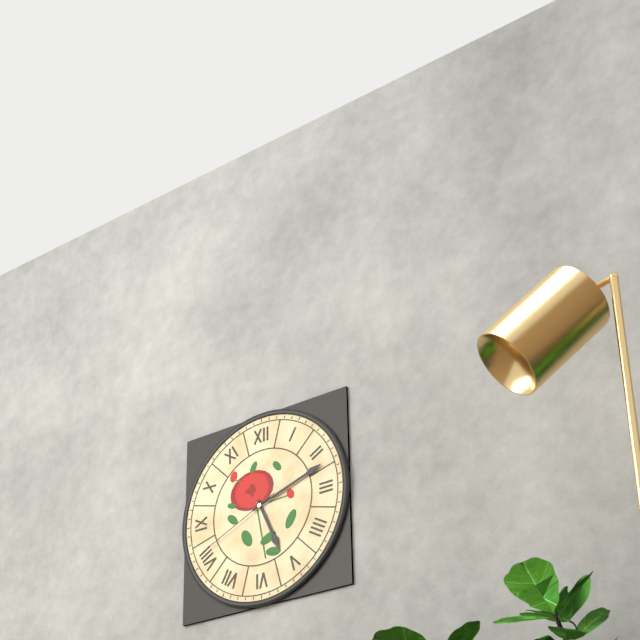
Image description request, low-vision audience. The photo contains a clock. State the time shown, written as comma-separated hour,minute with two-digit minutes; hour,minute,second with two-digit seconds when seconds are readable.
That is 5,12,41
